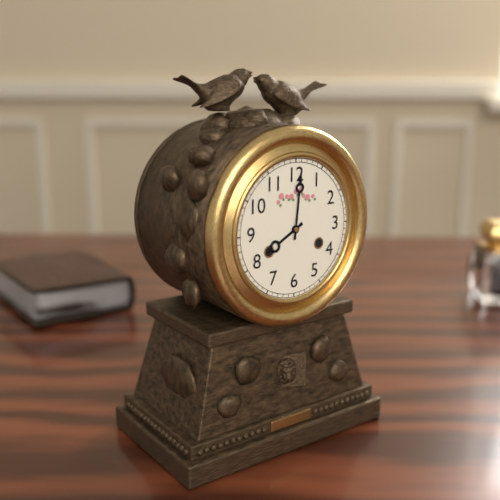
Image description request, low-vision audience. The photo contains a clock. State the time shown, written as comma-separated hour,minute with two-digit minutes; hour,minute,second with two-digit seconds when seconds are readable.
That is 8,01
